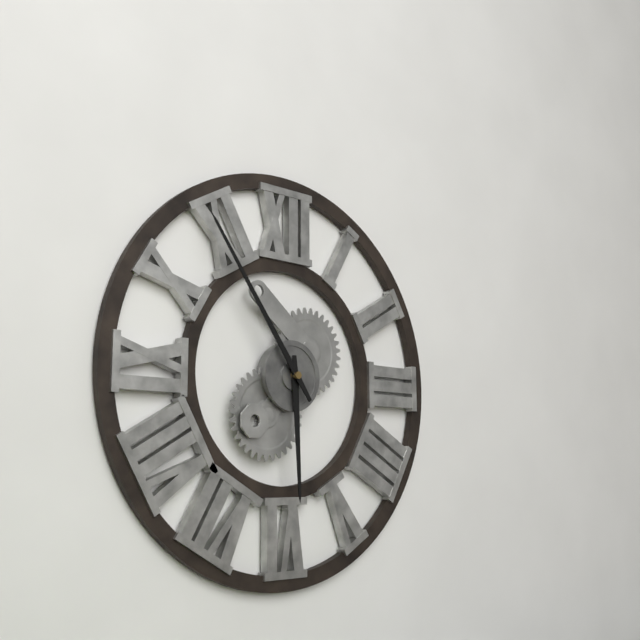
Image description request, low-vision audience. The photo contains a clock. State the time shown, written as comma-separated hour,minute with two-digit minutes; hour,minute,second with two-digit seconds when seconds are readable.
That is 5,54
